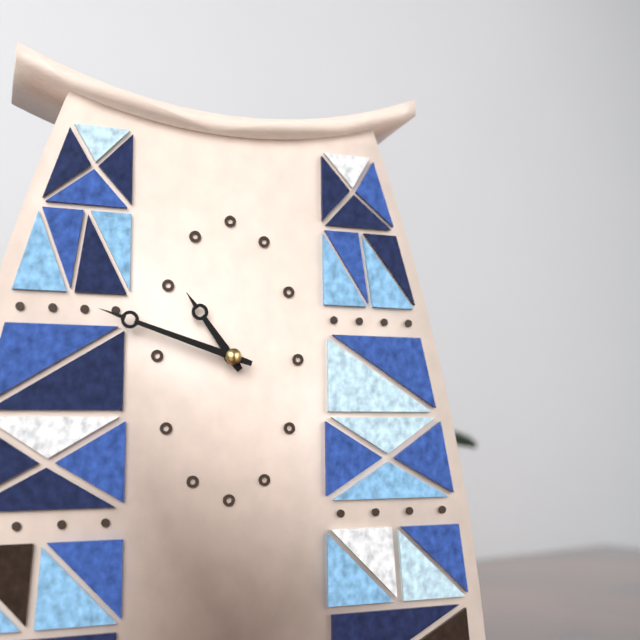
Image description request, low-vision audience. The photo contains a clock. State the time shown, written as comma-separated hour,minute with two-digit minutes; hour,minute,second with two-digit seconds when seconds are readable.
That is 10,48
